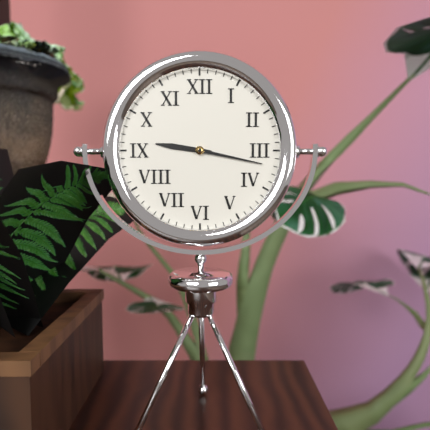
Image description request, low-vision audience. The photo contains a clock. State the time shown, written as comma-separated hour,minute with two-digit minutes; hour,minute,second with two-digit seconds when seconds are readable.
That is 9,17
